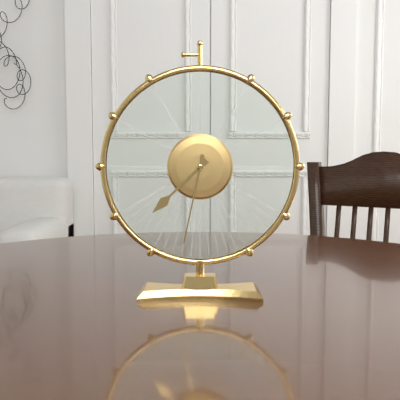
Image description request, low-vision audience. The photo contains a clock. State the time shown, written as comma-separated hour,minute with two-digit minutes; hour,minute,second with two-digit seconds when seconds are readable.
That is 7,32
